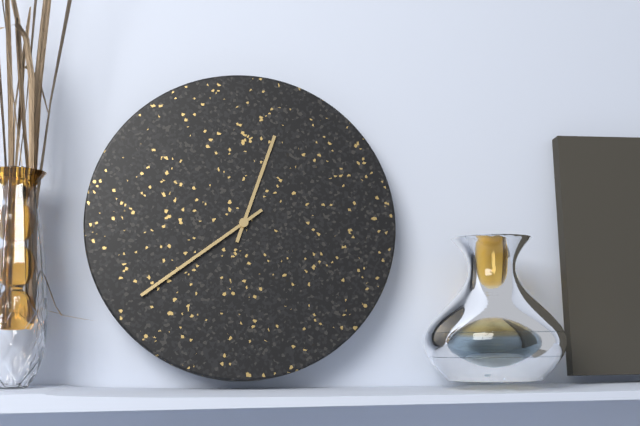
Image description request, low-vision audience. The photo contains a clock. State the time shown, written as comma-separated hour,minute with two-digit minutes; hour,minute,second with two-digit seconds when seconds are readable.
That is 12,39
